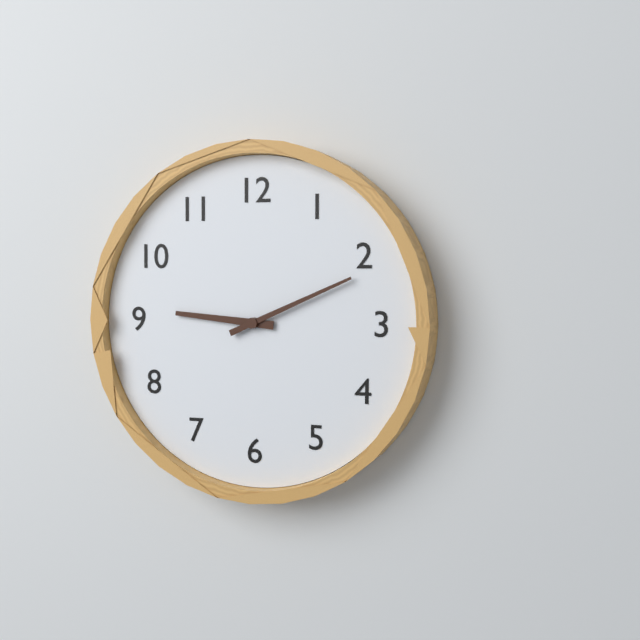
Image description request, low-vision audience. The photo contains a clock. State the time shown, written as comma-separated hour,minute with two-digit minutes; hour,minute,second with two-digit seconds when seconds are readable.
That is 9,11
